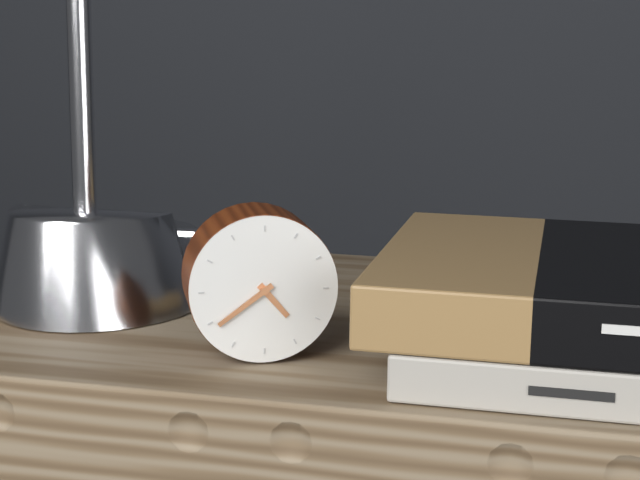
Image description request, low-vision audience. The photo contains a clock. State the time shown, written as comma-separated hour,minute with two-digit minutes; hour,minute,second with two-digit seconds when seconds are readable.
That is 4,39
